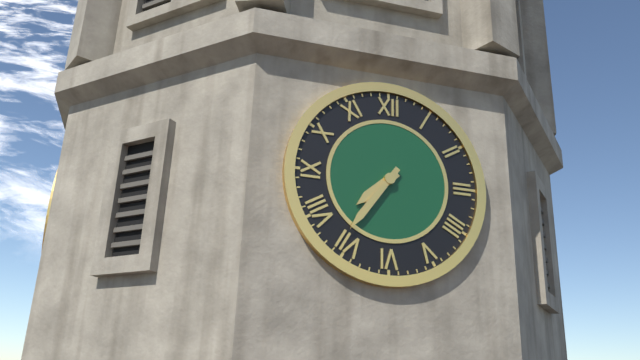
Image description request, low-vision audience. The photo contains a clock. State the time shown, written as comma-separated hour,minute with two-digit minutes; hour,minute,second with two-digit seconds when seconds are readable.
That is 7,36
